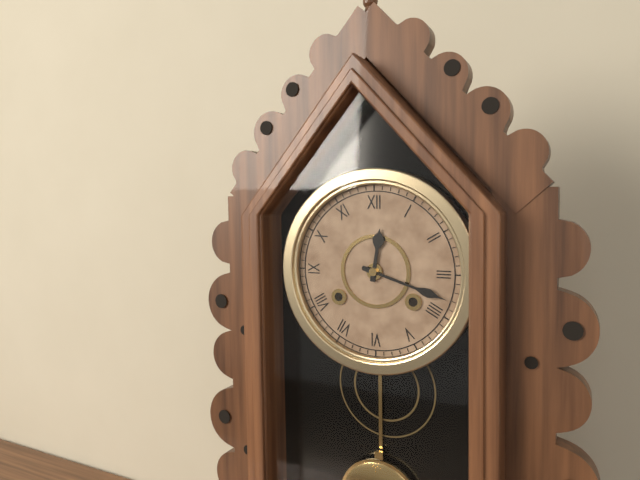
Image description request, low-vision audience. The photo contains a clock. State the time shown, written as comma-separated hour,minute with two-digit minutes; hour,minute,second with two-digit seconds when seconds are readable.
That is 12,18
